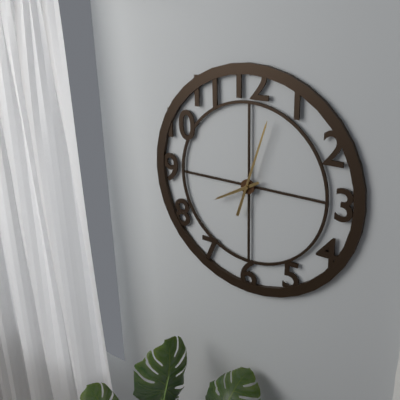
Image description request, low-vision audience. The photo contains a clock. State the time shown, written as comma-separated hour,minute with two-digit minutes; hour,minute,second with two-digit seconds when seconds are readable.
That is 8,03
